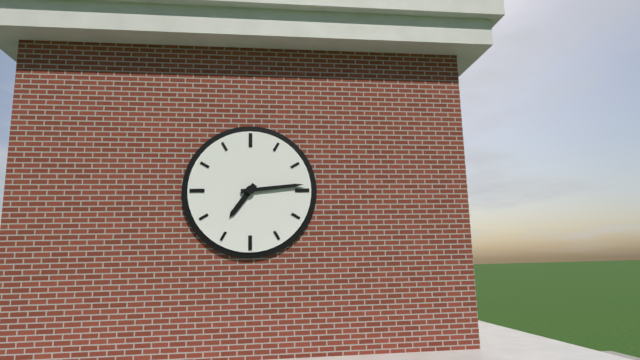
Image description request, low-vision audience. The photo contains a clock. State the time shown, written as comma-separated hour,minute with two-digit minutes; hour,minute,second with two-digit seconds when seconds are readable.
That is 7,14
